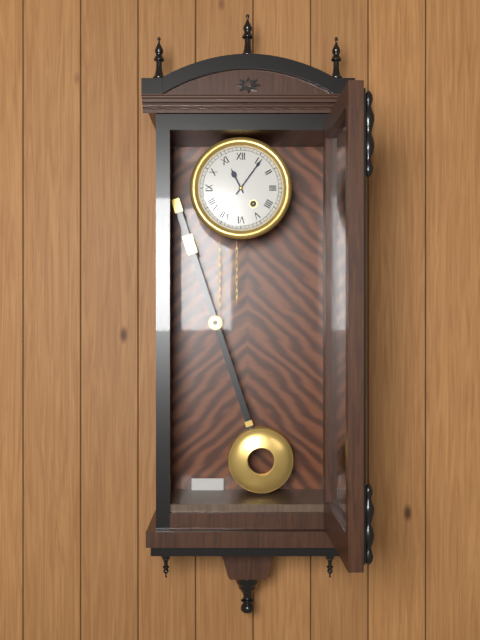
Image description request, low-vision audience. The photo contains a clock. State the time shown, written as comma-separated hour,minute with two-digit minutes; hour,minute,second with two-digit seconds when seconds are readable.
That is 11,06
